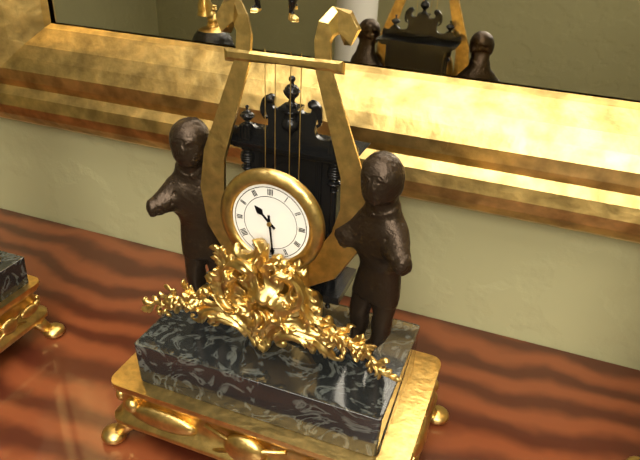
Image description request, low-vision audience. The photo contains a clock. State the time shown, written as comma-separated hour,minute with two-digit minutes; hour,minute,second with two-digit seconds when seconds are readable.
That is 10,29
